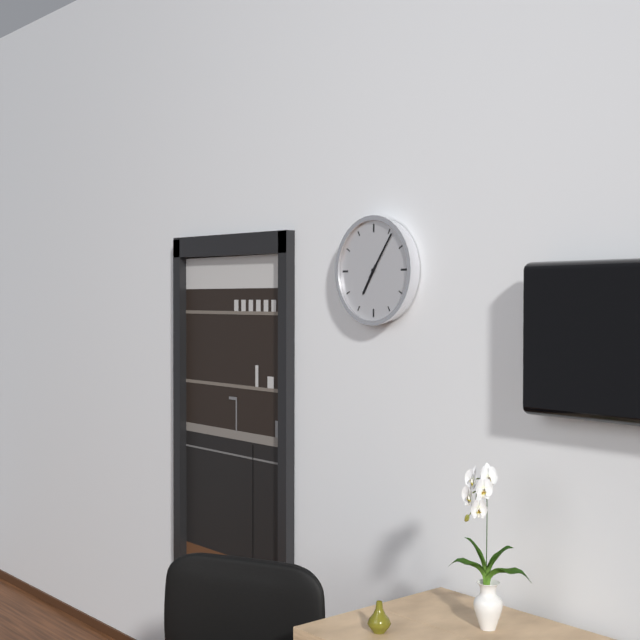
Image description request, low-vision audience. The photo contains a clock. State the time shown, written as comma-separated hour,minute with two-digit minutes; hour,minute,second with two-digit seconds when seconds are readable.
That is 7,06
